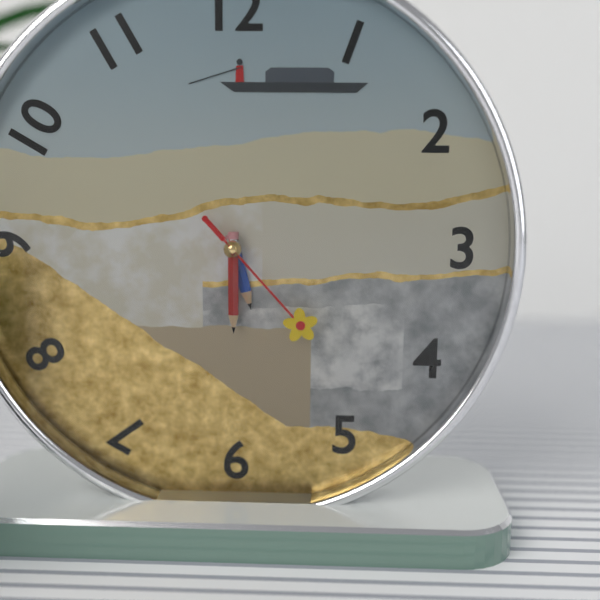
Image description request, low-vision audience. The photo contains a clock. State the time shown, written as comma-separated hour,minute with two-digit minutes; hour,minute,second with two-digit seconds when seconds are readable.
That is 5,30,23
